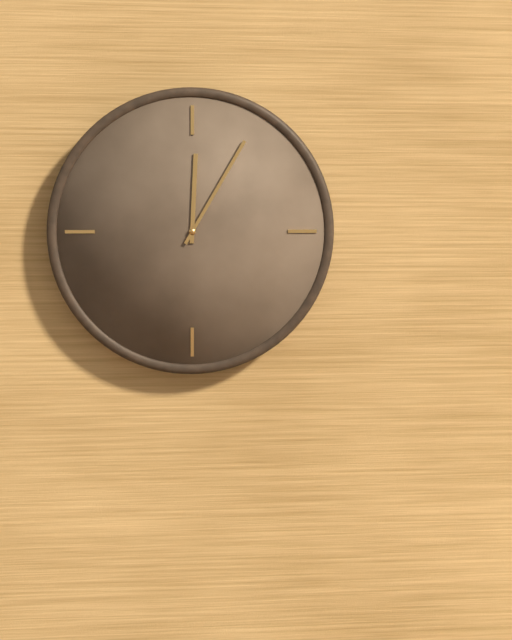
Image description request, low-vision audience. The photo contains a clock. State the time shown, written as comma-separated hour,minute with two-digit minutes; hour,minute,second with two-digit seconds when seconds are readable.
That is 12,05
